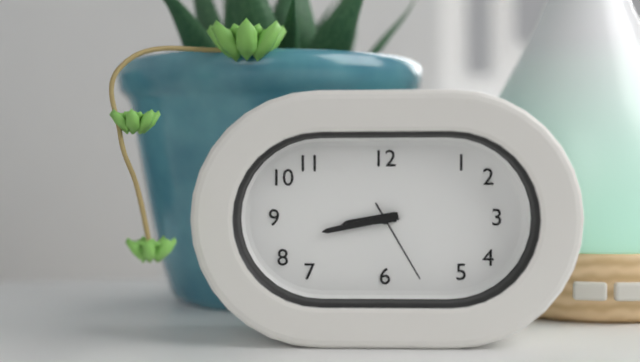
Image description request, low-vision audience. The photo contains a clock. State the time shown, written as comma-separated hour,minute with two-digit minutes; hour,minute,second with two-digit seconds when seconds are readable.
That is 8,43,25
